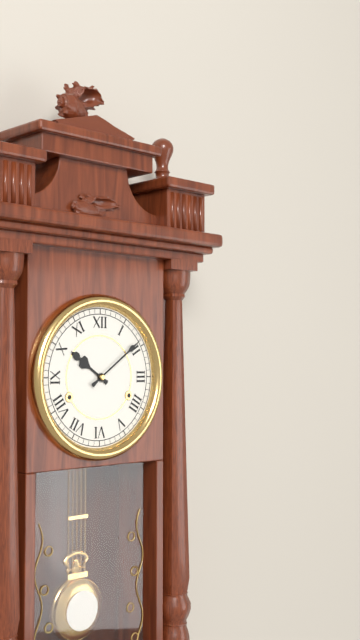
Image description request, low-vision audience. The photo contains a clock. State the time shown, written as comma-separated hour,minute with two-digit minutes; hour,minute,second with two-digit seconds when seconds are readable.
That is 10,09
